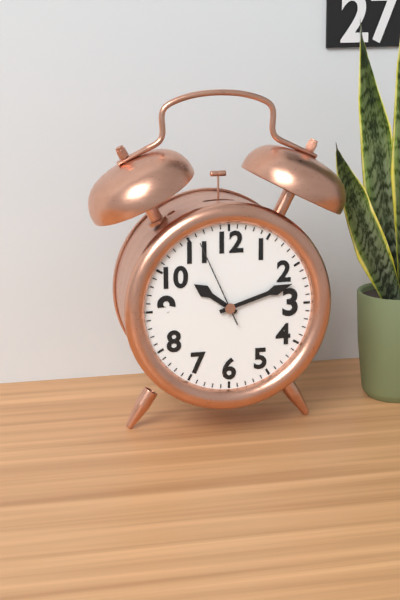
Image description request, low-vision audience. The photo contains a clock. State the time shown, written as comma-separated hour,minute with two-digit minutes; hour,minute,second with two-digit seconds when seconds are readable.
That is 10,12,56
